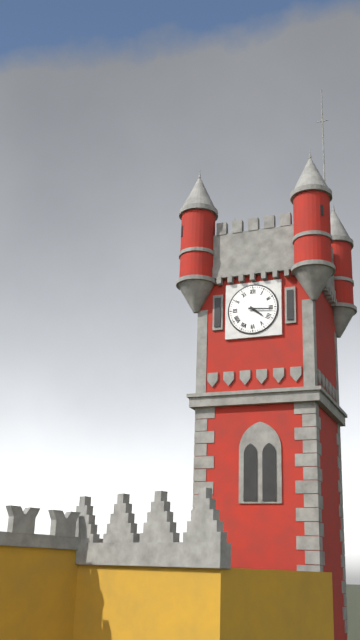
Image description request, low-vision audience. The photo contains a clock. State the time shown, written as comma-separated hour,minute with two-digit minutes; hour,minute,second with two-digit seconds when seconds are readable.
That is 4,16
